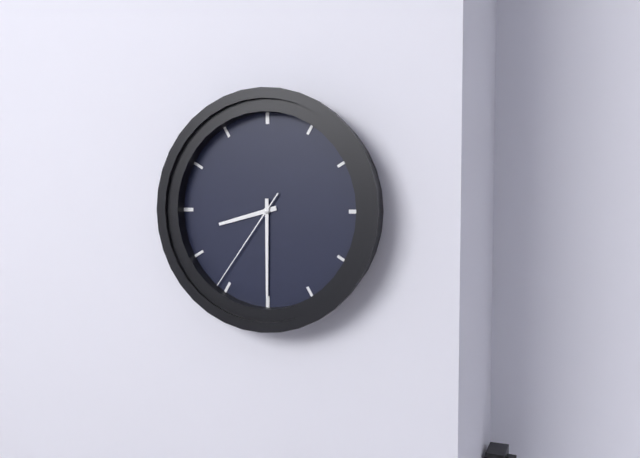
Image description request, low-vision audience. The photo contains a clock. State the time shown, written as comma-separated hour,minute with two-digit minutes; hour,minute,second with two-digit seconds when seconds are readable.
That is 8,30,36
